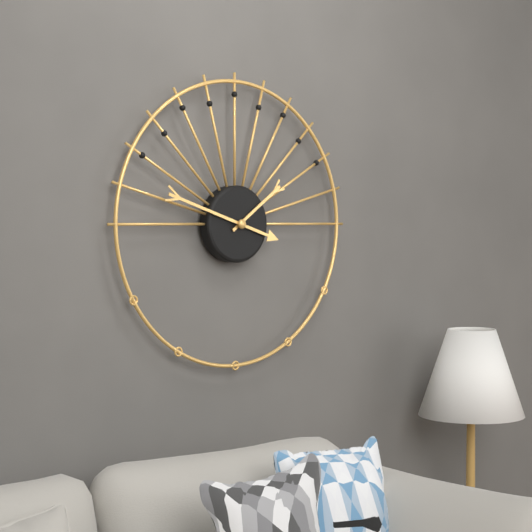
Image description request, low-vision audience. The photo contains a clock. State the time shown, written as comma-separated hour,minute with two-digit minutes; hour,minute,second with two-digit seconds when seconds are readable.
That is 1,48
